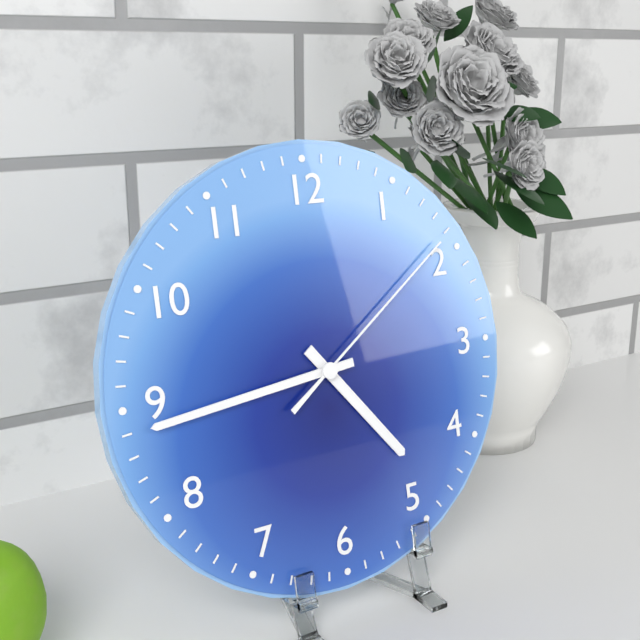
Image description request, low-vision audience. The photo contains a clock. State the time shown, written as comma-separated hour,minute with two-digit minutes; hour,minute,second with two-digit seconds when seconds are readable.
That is 4,44,09
